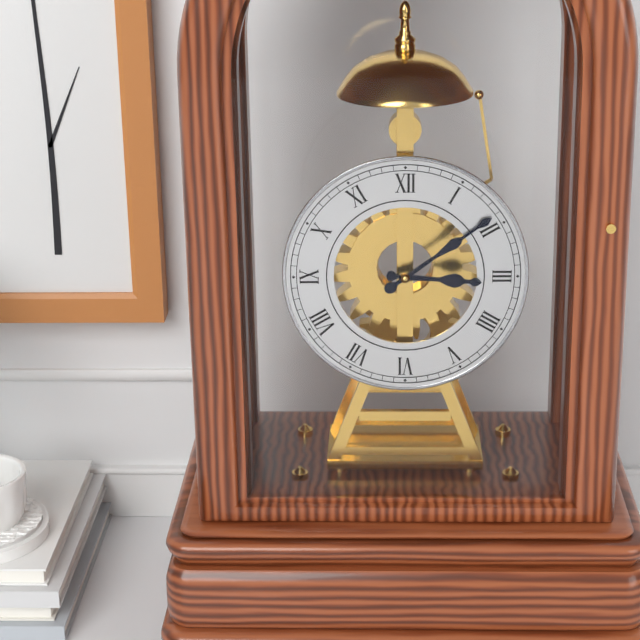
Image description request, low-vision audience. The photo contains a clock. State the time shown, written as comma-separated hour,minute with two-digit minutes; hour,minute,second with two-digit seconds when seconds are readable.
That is 3,09
